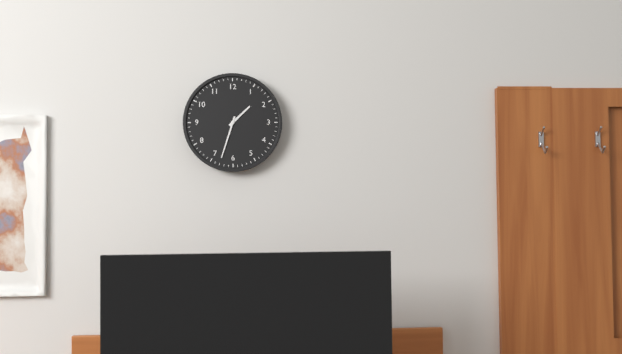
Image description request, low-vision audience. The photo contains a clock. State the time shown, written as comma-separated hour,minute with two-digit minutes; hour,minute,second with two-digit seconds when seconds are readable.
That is 1,33
